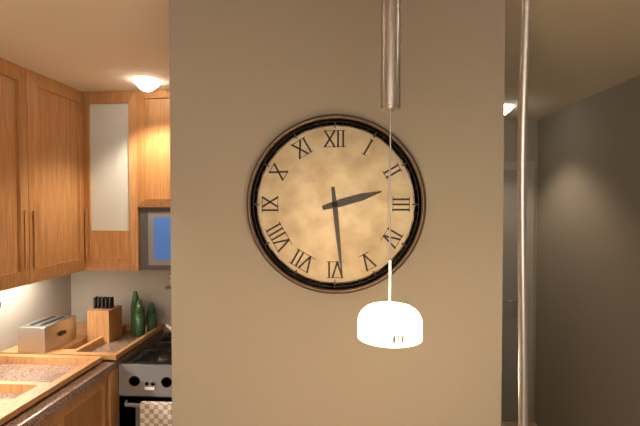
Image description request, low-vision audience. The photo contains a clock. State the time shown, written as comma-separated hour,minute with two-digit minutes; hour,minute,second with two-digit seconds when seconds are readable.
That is 2,29
